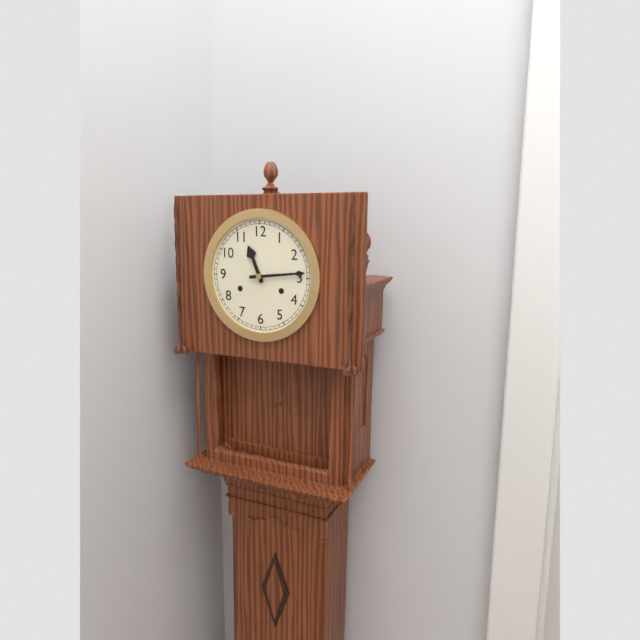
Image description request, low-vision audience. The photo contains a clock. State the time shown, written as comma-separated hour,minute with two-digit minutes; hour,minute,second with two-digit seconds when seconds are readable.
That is 11,14
